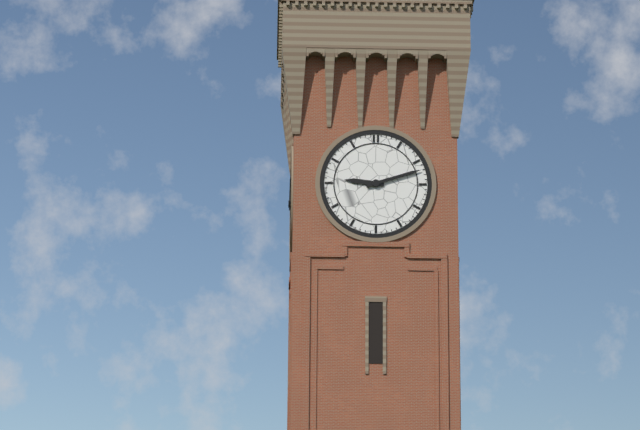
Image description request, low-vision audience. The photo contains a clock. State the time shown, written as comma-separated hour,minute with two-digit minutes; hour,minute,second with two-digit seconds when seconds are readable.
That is 9,12
